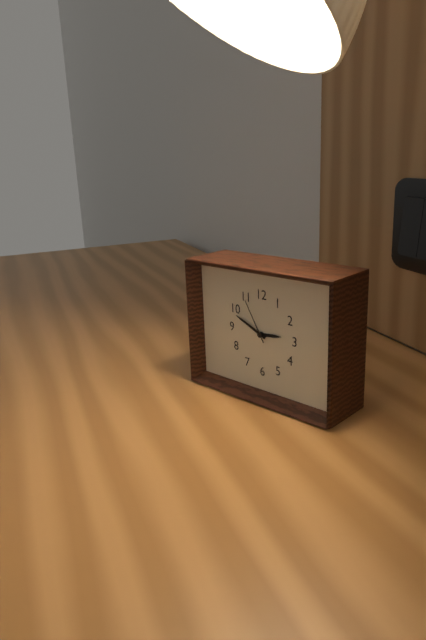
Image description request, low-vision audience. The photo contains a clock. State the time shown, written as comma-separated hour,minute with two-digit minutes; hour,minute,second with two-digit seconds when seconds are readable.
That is 2,49,55
